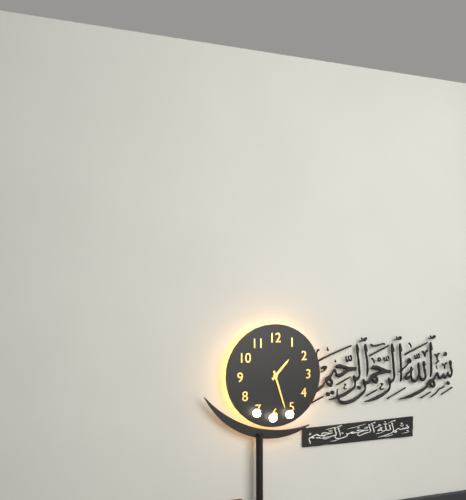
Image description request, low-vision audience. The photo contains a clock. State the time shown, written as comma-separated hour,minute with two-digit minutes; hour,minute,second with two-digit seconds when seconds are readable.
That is 1,27
